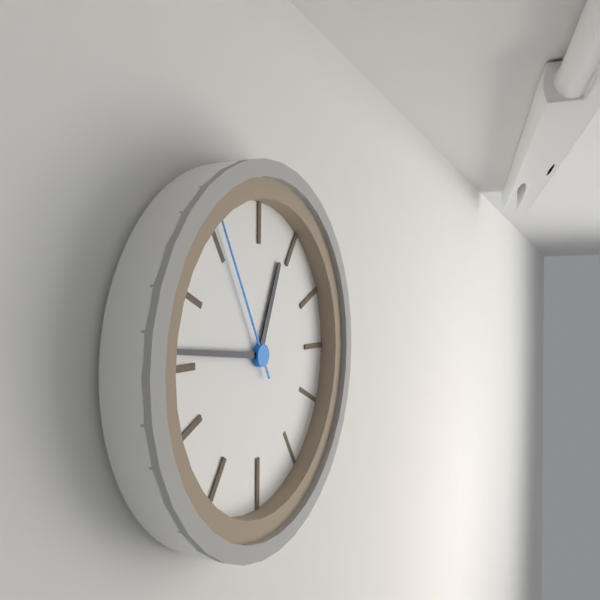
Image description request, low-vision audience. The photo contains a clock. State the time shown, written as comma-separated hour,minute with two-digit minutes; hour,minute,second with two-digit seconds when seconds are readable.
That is 12,46,55
